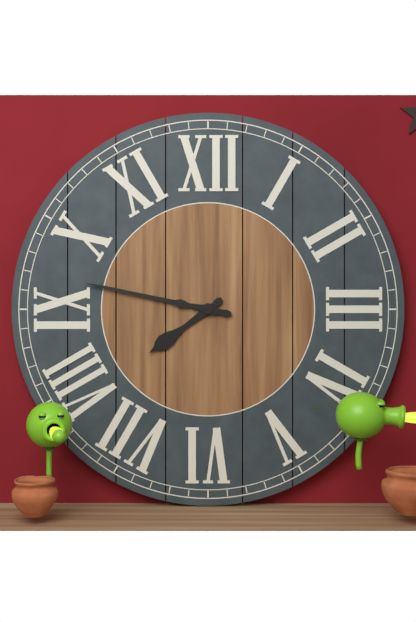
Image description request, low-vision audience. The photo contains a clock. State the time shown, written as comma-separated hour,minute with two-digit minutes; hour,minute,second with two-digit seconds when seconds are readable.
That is 7,47
